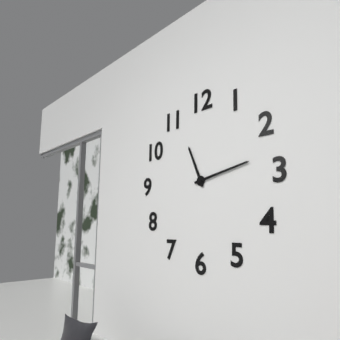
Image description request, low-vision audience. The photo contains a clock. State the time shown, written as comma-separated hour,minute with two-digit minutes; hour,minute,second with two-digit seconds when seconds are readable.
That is 11,13
